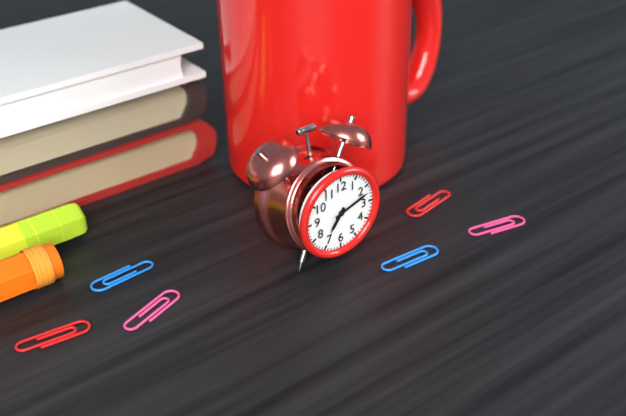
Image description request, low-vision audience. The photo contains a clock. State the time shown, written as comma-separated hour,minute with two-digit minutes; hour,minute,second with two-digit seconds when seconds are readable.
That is 7,12
